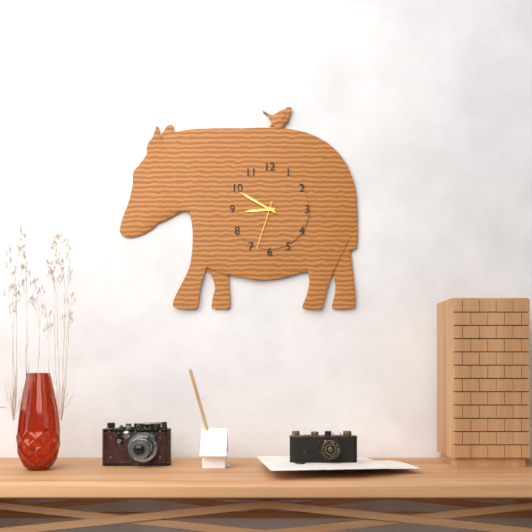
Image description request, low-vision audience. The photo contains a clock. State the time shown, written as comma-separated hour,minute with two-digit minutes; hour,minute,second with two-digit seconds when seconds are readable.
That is 8,50,33
